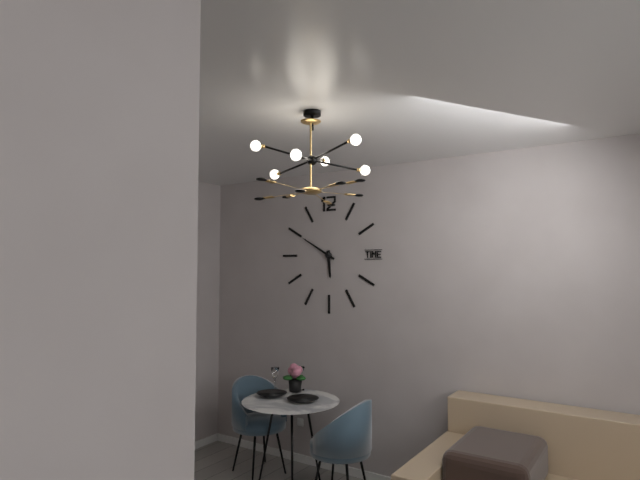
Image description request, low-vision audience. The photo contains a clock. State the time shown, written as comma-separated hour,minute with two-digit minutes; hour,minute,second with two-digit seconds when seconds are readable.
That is 5,50
